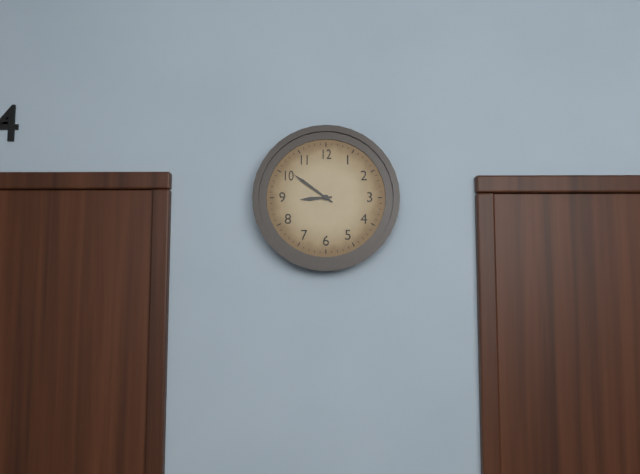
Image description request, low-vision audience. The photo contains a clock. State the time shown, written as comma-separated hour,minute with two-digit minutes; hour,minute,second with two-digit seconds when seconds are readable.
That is 8,51
